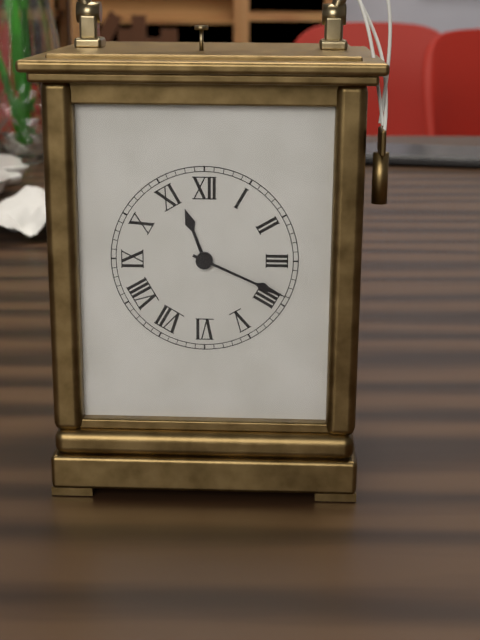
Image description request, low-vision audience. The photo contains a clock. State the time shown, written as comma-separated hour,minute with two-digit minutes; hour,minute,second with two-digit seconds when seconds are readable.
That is 11,19
